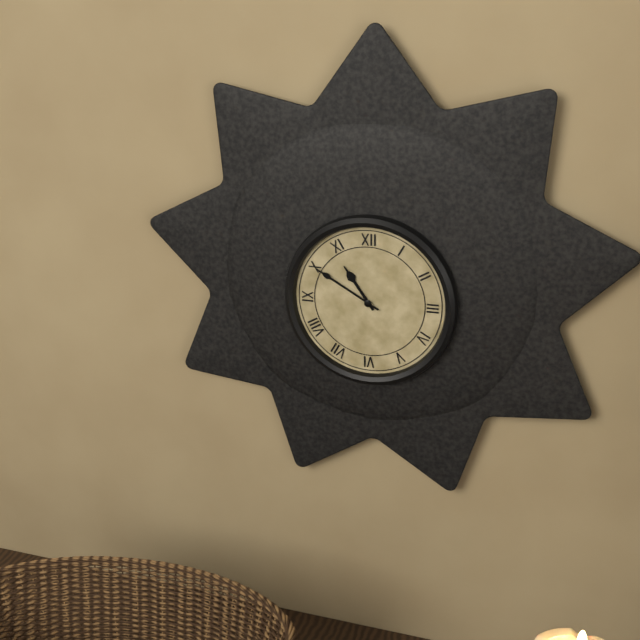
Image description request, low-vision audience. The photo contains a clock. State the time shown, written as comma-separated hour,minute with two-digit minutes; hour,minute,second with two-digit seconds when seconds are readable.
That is 10,50
